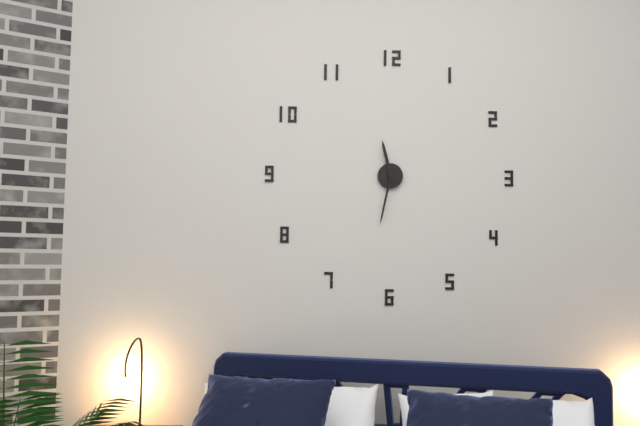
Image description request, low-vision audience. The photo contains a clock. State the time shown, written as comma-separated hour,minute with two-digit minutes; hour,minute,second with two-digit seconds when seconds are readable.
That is 11,32
